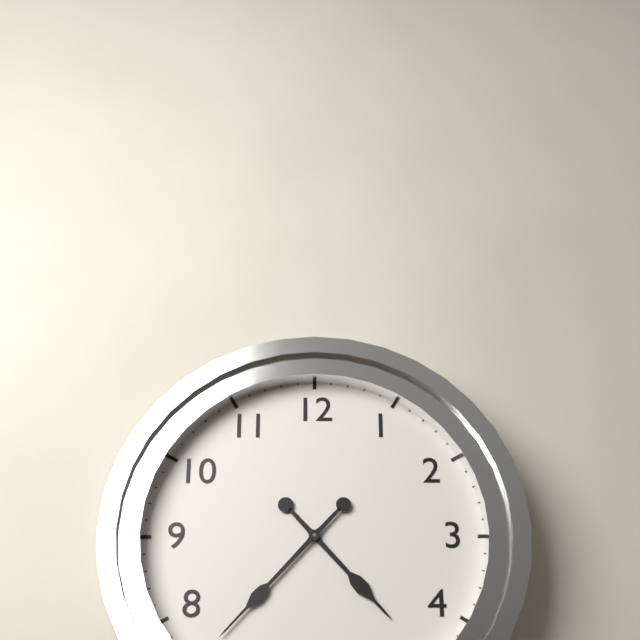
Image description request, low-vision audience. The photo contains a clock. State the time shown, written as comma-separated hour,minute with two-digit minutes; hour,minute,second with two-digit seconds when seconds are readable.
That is 4,37
